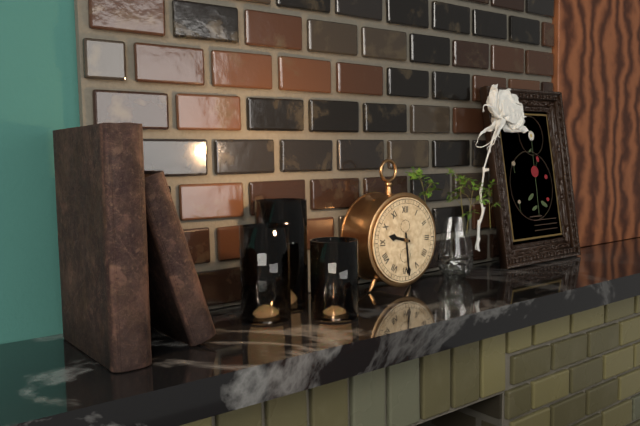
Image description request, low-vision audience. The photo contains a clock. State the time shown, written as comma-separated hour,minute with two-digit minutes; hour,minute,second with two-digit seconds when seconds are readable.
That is 9,29
